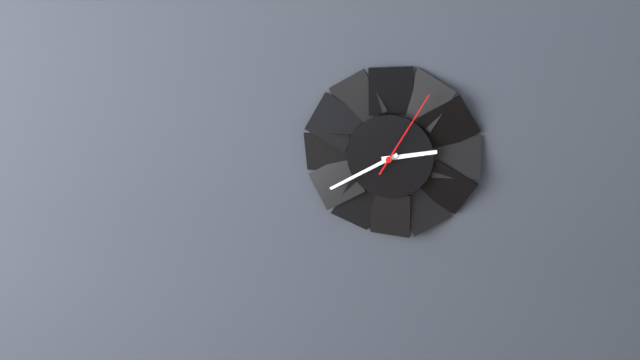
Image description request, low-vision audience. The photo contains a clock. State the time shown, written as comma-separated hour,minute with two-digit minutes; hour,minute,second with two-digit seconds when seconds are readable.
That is 2,40,05
